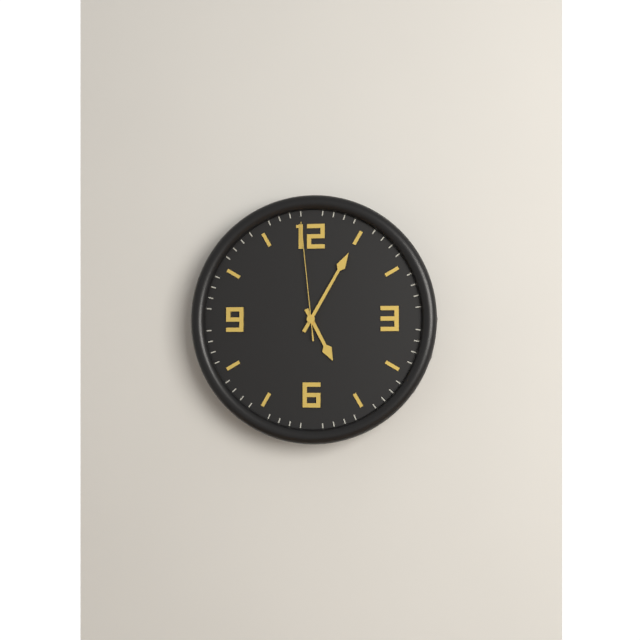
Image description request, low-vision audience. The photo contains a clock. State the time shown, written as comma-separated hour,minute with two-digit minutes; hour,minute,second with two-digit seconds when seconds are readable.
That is 5,05,59
